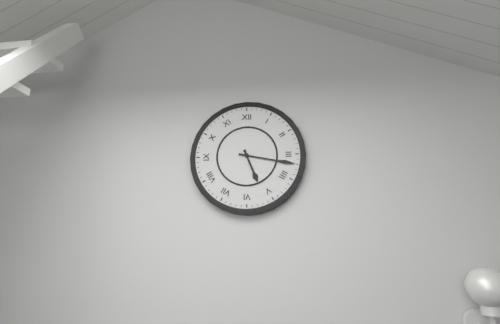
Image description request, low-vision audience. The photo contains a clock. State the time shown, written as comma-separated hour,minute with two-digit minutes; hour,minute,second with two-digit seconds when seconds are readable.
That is 5,17
